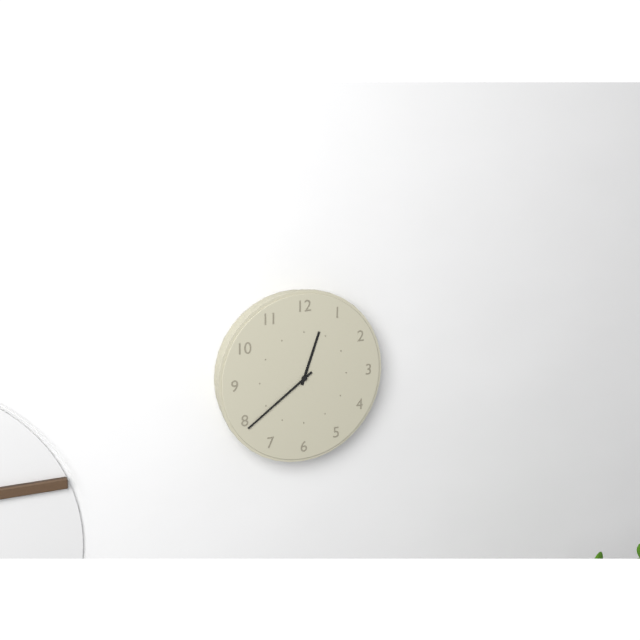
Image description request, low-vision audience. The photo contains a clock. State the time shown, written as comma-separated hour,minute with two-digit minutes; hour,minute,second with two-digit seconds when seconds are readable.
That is 12,39
